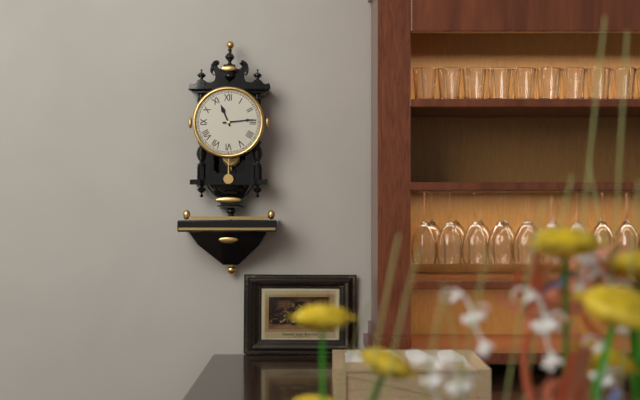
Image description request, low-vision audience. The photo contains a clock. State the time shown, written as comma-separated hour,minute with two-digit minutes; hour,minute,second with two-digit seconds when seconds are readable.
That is 11,14
